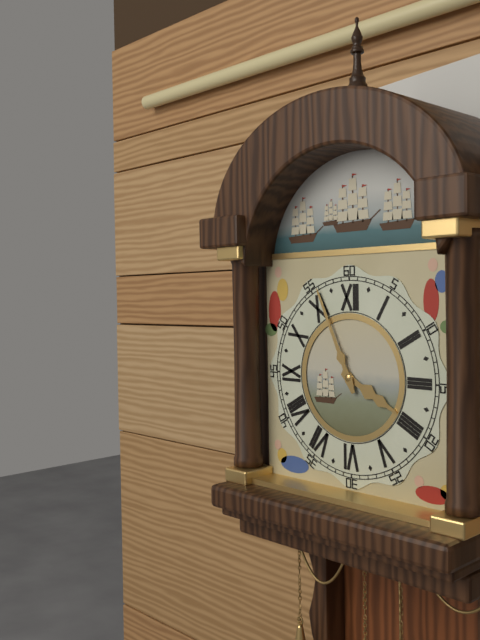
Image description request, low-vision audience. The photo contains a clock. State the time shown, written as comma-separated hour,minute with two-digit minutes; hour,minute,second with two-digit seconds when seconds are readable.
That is 3,56
